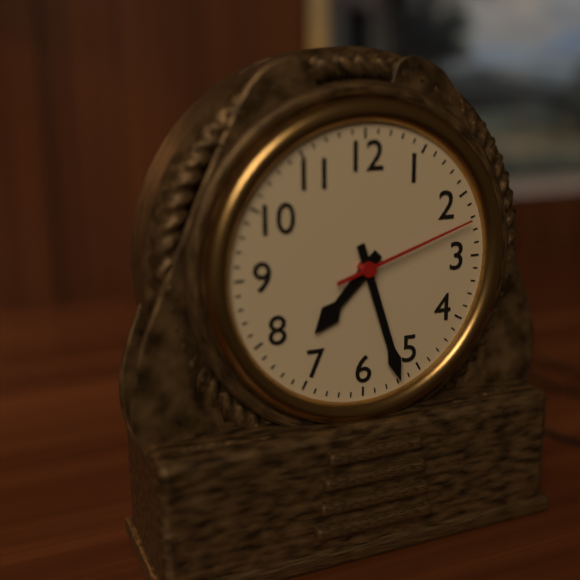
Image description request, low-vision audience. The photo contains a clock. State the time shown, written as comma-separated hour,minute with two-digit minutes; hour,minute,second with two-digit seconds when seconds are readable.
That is 7,27,12
